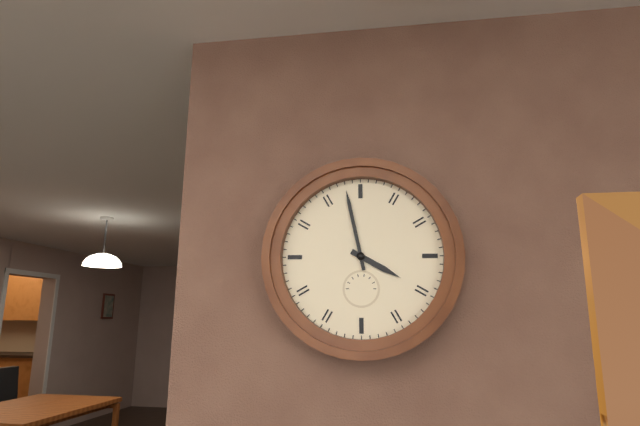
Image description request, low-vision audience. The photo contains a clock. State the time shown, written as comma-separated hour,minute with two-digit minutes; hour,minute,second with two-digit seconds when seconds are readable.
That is 3,58
